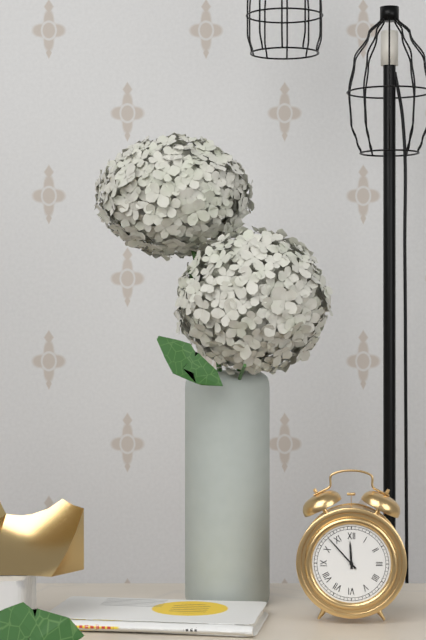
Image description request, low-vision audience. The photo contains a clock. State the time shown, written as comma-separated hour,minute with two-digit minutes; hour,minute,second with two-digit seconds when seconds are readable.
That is 11,53
